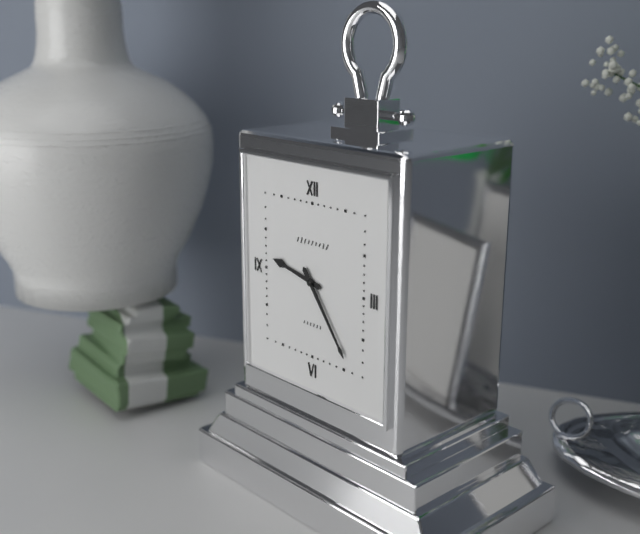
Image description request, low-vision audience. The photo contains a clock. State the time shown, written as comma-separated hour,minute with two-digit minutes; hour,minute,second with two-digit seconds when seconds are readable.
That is 9,24
